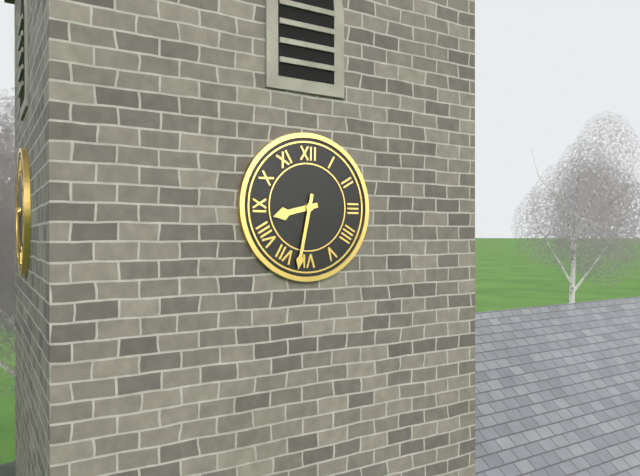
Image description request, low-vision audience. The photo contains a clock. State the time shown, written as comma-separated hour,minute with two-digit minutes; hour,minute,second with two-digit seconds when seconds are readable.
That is 8,32
